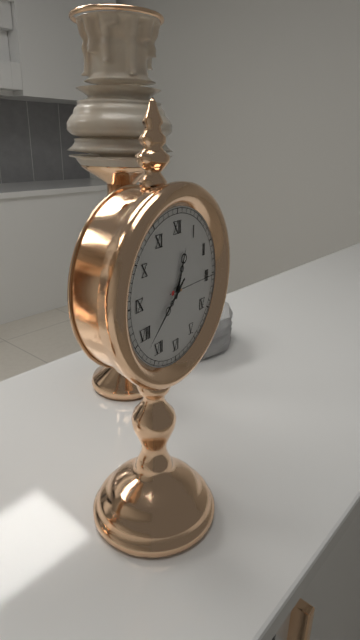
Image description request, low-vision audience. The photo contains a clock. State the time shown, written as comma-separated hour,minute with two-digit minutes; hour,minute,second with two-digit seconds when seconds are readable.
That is 12,38,15
